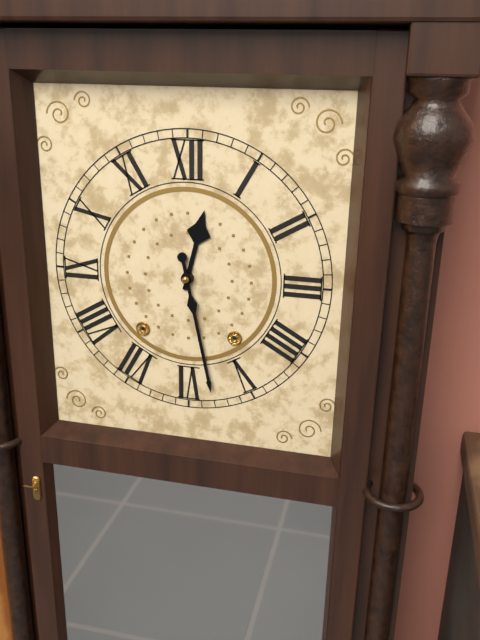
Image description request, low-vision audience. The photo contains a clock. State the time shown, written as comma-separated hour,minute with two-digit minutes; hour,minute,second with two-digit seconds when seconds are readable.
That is 12,28
